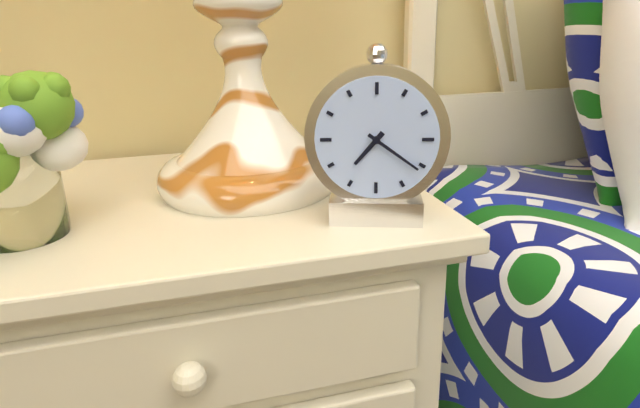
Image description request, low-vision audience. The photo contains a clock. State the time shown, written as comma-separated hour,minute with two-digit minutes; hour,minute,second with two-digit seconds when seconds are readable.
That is 7,21
